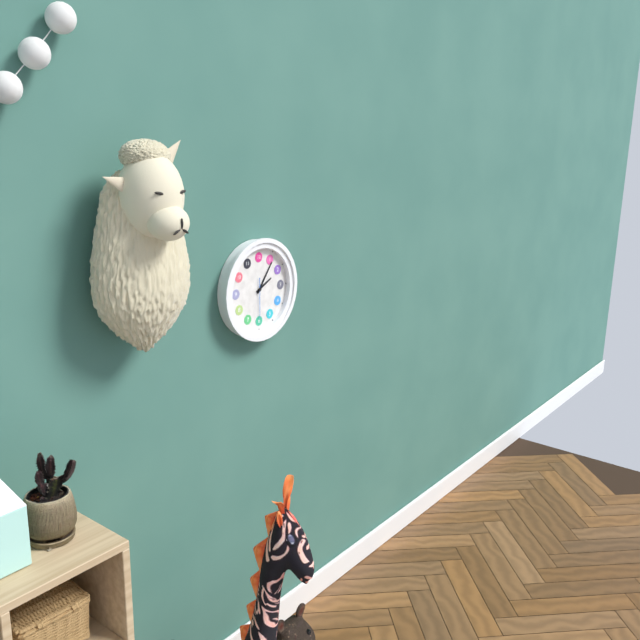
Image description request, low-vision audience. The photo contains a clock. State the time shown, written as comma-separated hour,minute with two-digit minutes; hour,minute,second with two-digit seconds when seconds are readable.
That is 2,06
